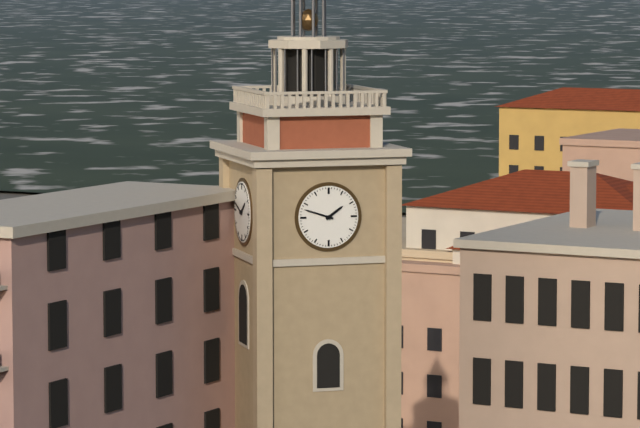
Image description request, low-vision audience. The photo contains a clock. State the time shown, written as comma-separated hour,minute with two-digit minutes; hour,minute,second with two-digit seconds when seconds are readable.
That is 1,48
